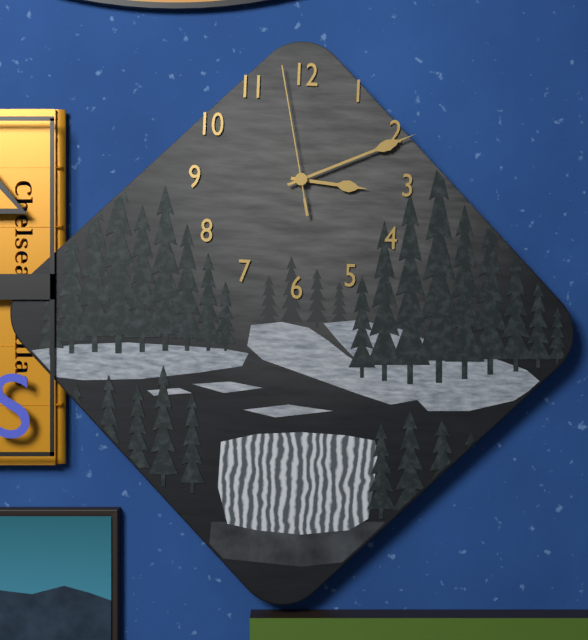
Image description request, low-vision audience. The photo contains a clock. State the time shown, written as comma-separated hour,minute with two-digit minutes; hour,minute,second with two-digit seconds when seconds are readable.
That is 3,11,58
